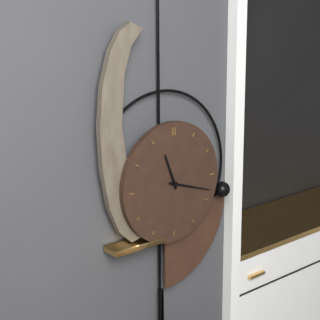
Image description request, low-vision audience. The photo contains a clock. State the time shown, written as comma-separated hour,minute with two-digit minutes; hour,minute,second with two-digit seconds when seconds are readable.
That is 11,18
